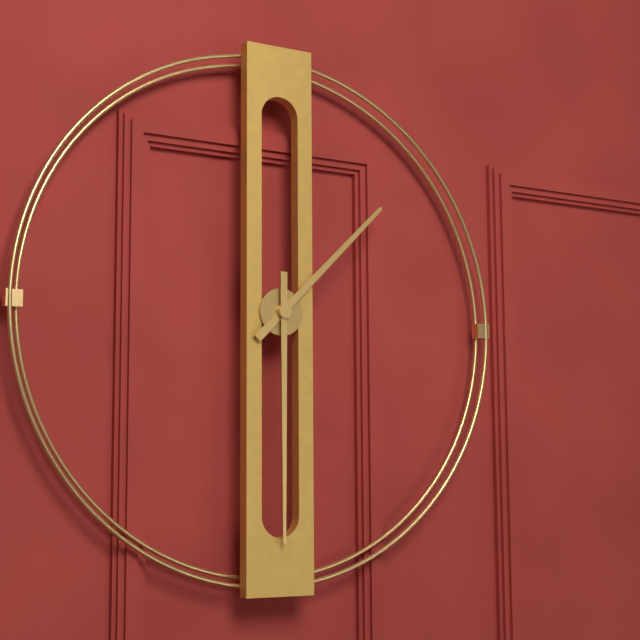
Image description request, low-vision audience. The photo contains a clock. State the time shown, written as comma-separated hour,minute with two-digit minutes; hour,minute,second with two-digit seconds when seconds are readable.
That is 1,30
